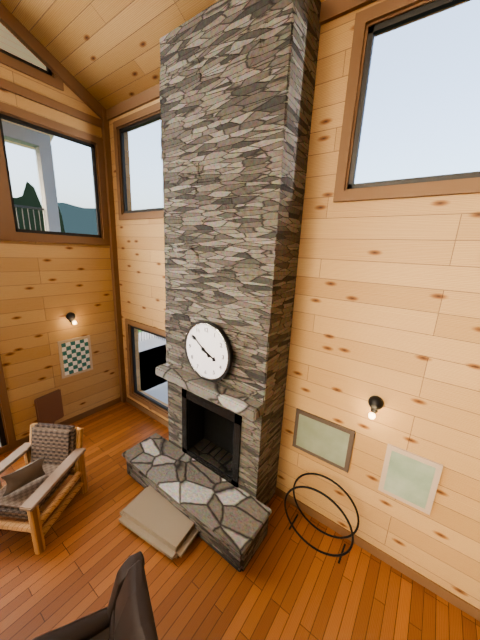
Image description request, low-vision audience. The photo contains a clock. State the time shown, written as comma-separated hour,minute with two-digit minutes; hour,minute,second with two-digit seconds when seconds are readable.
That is 3,51
